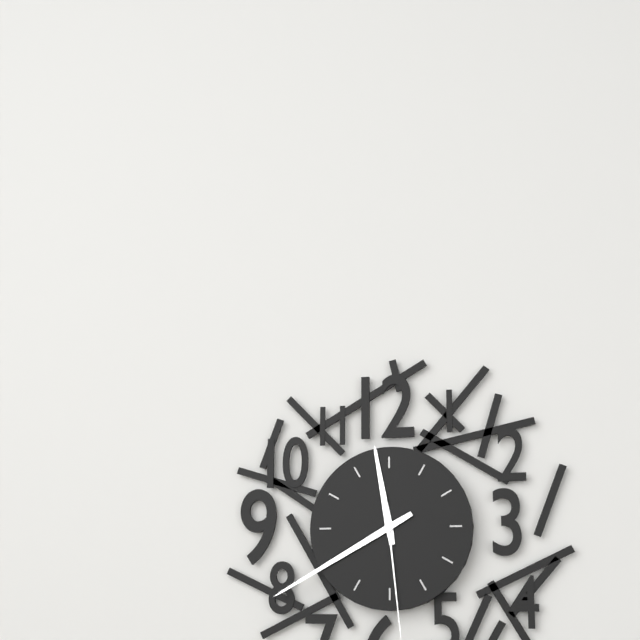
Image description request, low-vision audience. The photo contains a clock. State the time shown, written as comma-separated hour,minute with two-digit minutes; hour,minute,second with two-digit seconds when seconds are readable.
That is 11,40
